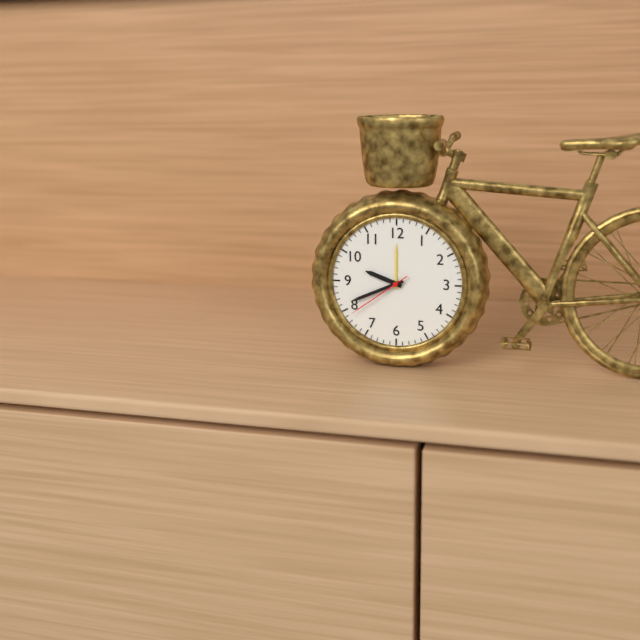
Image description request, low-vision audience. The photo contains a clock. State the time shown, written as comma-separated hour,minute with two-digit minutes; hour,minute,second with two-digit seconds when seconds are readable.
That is 9,41,39
